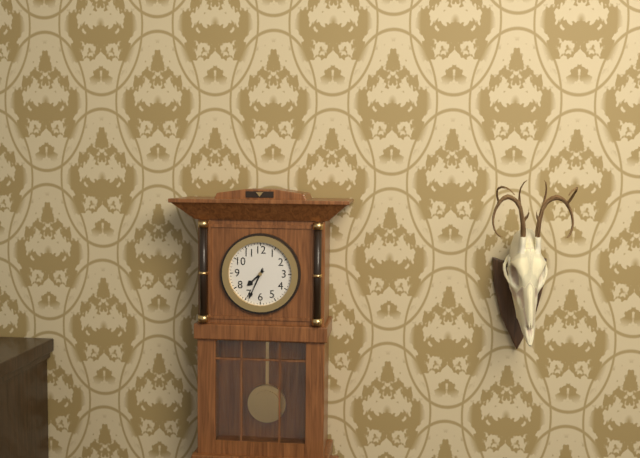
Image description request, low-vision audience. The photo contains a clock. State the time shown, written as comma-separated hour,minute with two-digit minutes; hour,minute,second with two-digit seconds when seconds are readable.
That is 7,34
